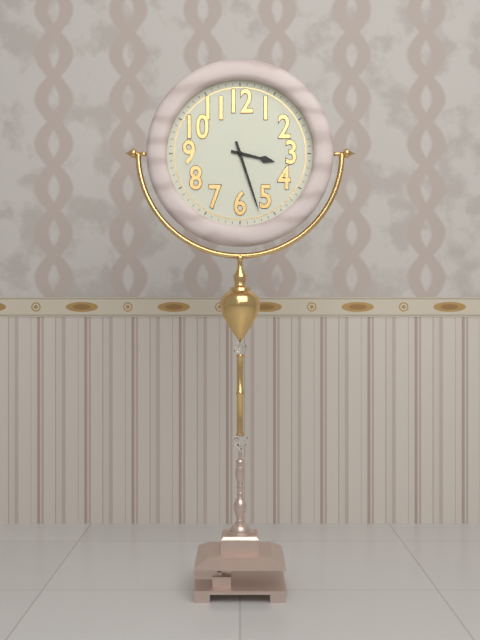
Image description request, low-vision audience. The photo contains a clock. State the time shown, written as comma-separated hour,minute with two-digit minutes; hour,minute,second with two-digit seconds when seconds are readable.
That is 3,27
